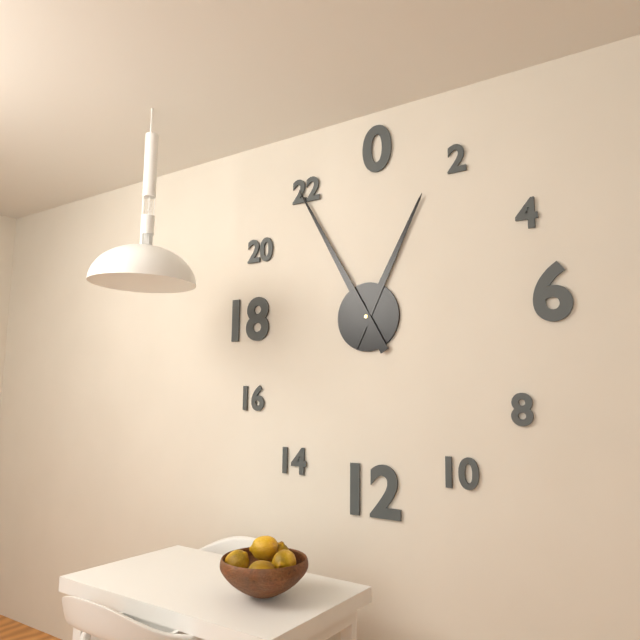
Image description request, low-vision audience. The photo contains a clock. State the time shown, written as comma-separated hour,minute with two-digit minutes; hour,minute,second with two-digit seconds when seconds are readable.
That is 12,55
